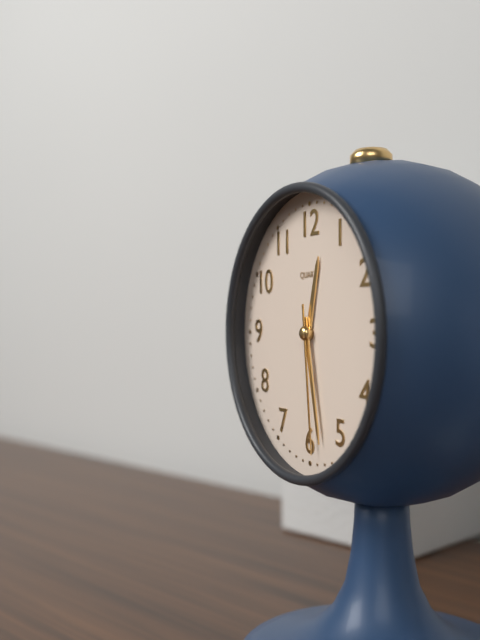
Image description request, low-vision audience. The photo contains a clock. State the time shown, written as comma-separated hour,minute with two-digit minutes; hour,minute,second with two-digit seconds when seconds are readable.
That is 12,28,29
